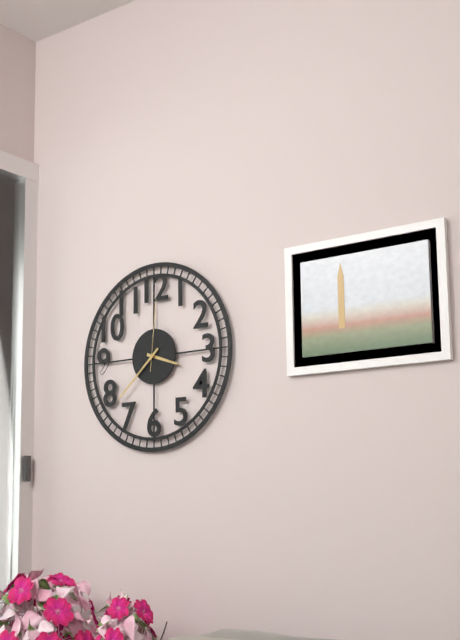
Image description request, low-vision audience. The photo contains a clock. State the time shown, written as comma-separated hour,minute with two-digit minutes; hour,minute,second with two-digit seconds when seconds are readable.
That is 3,38,01
